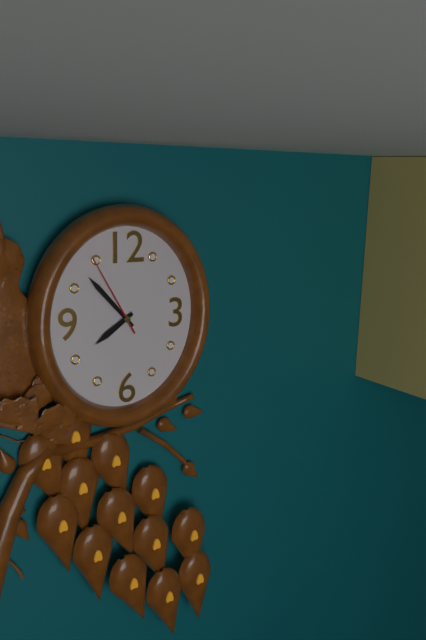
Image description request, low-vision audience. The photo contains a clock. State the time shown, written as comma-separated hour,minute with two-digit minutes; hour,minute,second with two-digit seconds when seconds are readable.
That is 7,53,55
